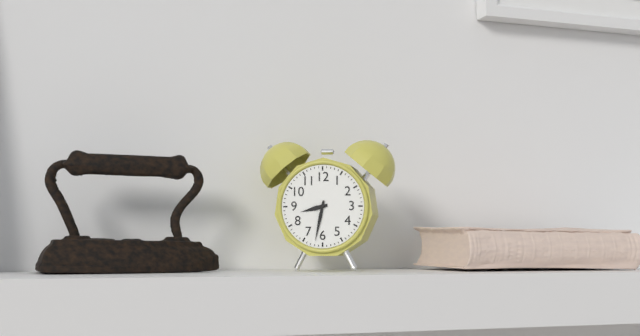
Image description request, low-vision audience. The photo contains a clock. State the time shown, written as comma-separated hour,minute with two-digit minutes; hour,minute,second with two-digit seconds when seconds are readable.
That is 8,32
